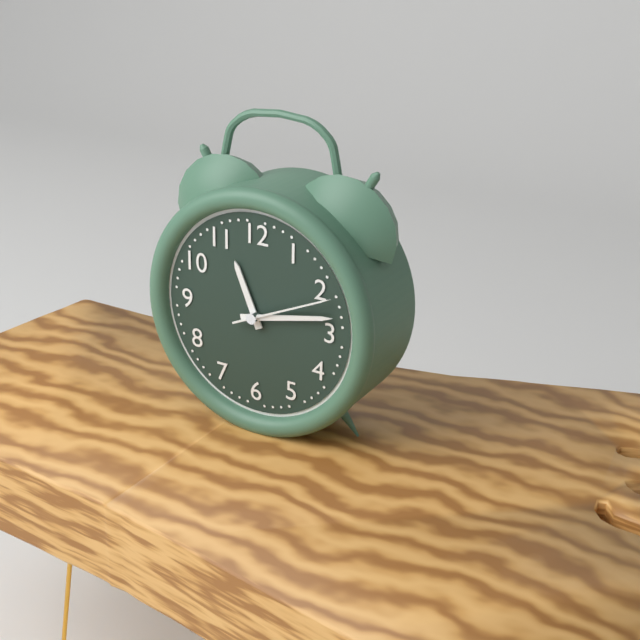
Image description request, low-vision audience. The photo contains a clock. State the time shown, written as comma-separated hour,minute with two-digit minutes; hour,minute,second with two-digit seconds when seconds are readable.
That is 11,13,11
